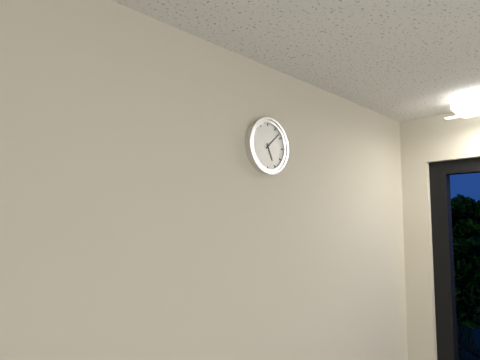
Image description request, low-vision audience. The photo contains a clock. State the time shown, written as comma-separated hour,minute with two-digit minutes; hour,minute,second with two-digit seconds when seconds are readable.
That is 5,08
